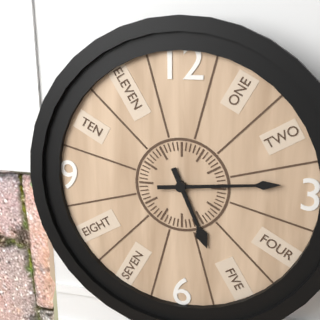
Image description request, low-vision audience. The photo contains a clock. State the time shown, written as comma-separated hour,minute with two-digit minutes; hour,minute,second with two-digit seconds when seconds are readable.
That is 5,14
